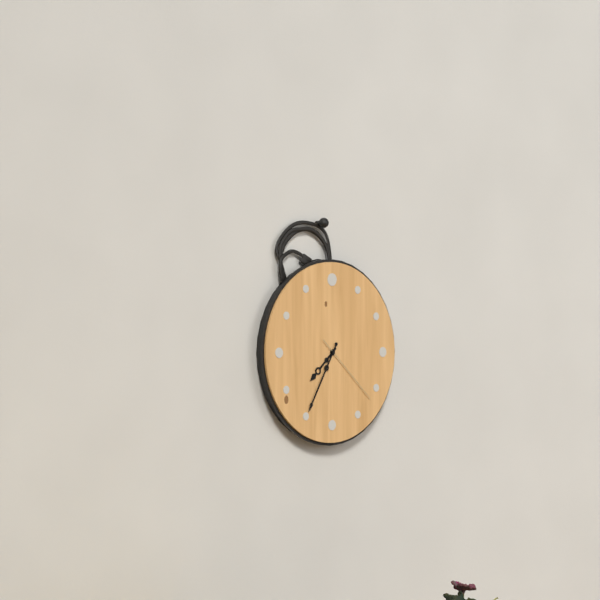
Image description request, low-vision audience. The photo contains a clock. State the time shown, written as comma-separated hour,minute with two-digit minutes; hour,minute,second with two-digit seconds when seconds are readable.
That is 7,35,22
